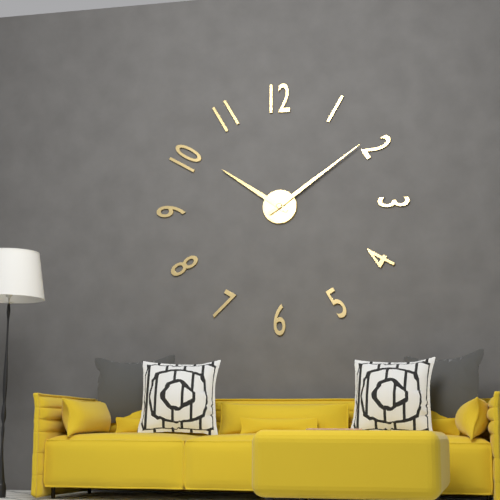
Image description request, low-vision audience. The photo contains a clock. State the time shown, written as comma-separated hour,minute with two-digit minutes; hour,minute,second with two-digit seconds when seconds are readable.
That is 10,09
